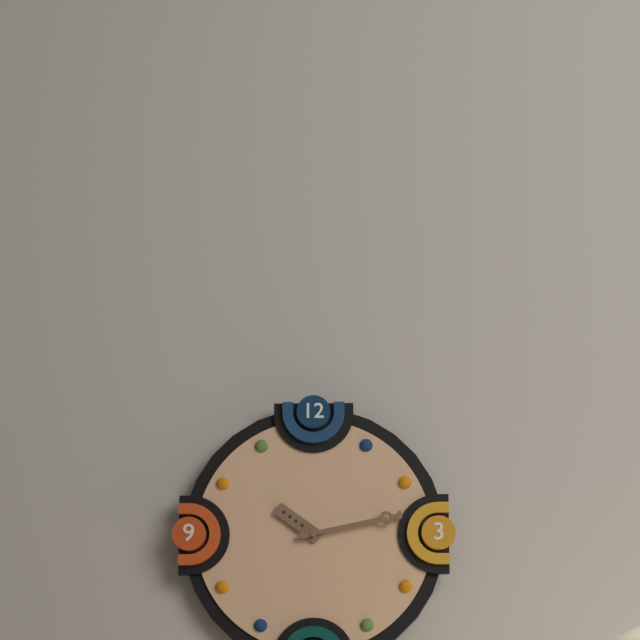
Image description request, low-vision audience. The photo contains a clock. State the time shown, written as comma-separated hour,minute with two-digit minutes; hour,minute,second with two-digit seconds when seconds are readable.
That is 10,13
